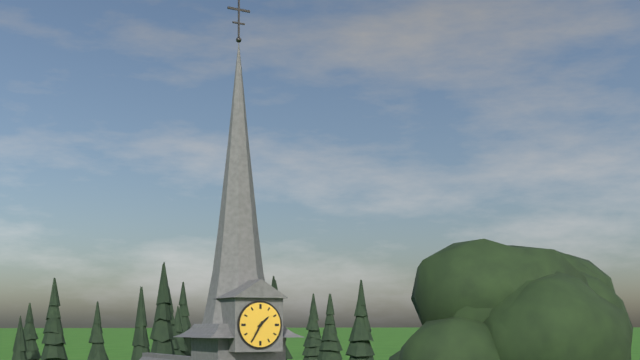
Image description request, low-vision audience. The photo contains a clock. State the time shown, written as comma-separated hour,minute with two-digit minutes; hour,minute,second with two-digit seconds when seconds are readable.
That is 1,35
